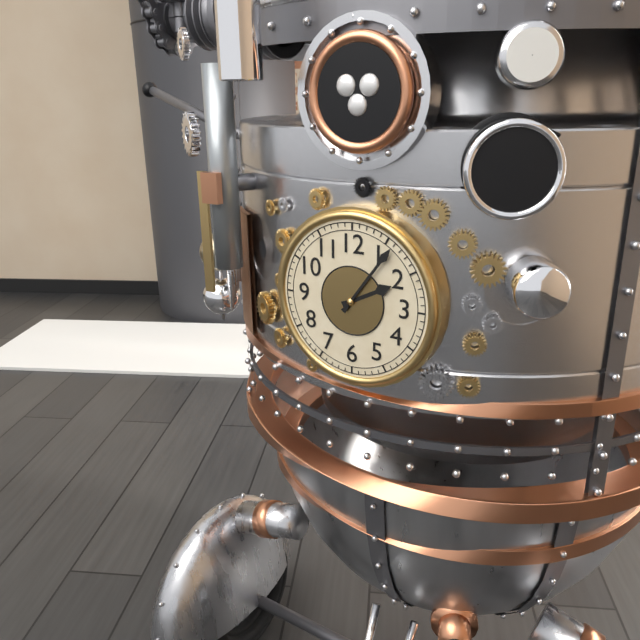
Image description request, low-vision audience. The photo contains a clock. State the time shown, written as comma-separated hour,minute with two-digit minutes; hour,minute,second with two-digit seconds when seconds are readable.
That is 2,06
